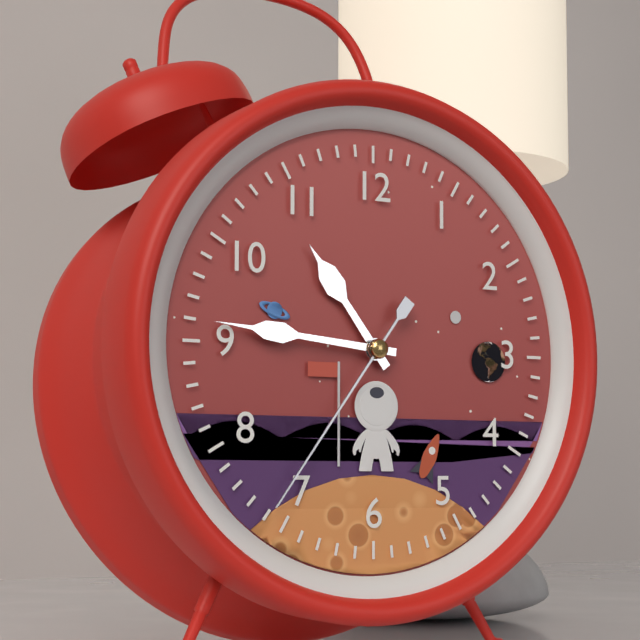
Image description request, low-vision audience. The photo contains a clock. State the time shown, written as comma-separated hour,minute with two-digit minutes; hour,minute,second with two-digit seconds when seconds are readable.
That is 10,46,36
